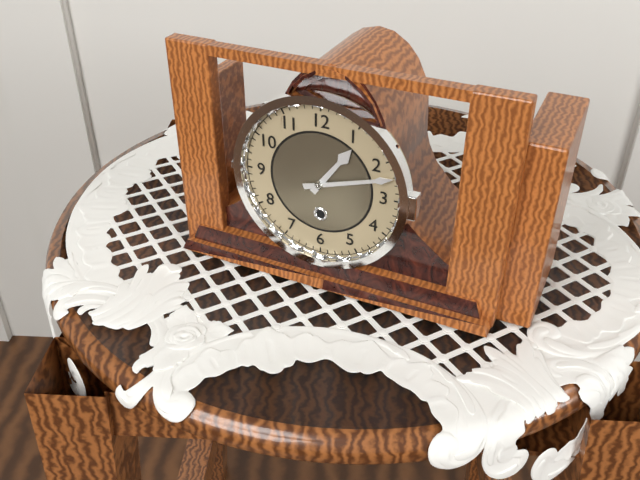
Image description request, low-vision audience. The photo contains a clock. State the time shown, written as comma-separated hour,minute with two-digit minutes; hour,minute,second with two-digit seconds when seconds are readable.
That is 1,12
